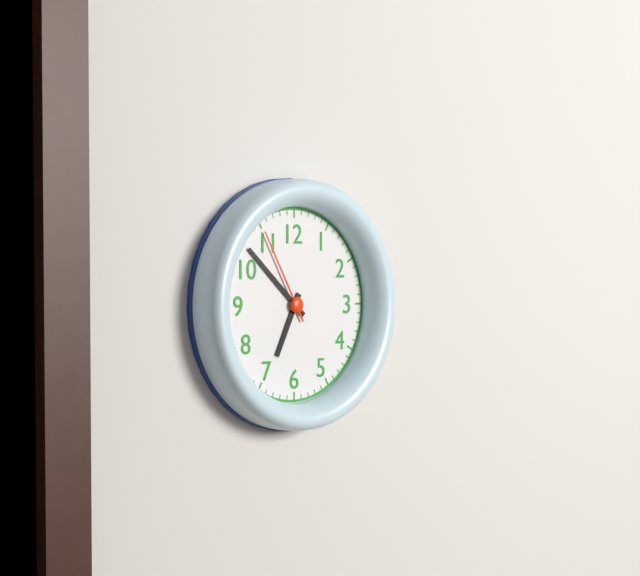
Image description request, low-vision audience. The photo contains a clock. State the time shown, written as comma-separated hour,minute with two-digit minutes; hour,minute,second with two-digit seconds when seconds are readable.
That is 6,52,55
